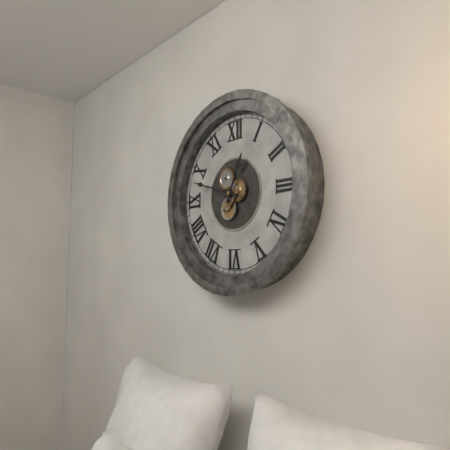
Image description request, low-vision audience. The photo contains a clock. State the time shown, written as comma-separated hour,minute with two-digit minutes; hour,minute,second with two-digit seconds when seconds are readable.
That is 12,48
